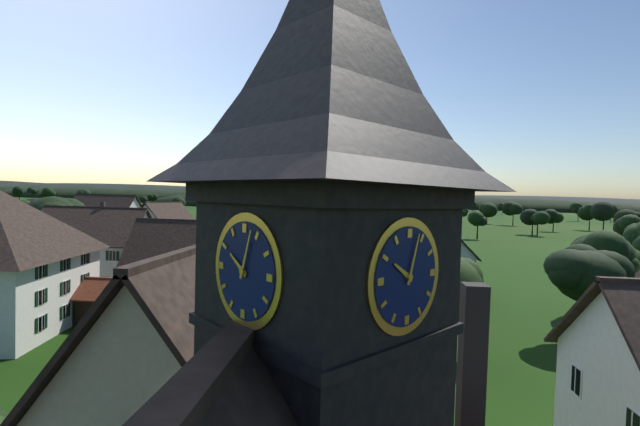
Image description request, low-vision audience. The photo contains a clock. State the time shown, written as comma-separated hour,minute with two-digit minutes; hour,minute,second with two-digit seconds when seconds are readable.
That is 10,03
